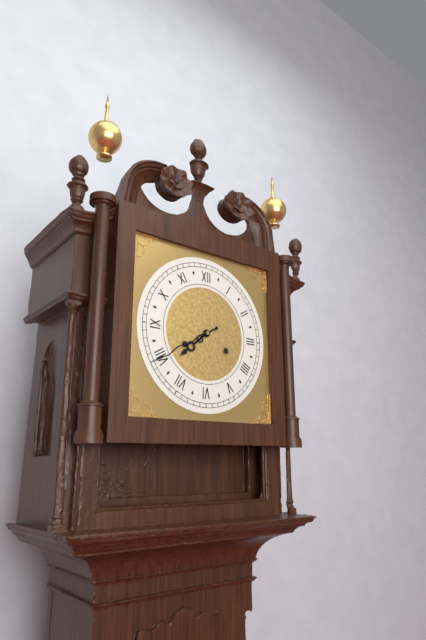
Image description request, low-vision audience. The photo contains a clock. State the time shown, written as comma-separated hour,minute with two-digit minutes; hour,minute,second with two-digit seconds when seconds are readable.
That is 7,40
